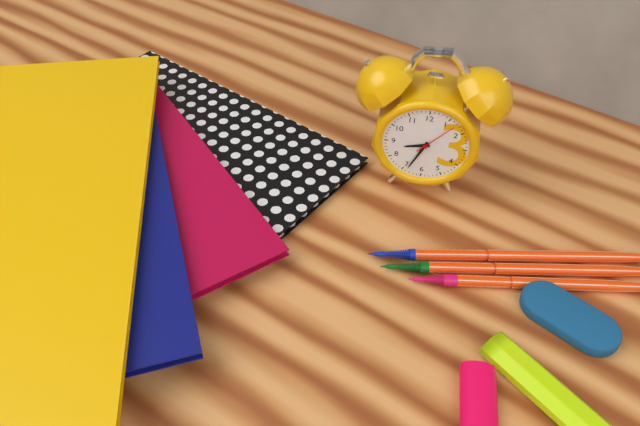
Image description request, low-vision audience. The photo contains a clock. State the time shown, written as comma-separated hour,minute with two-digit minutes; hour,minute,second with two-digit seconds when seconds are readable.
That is 8,34
